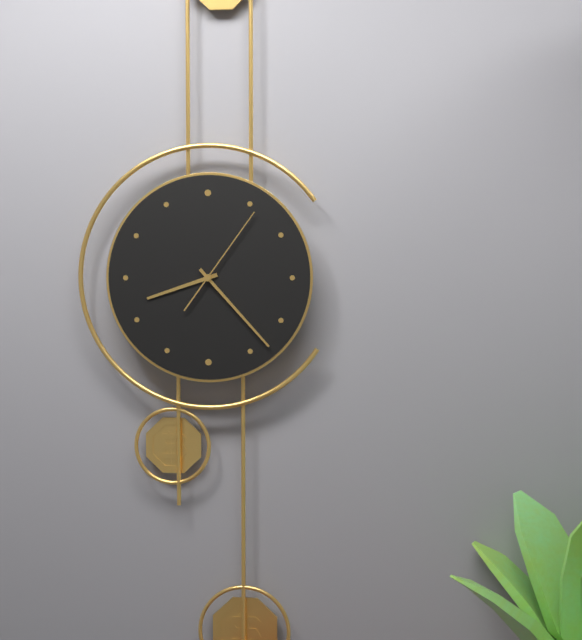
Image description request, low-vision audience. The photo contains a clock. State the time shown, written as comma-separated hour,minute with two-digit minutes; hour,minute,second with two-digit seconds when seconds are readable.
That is 8,23,06
